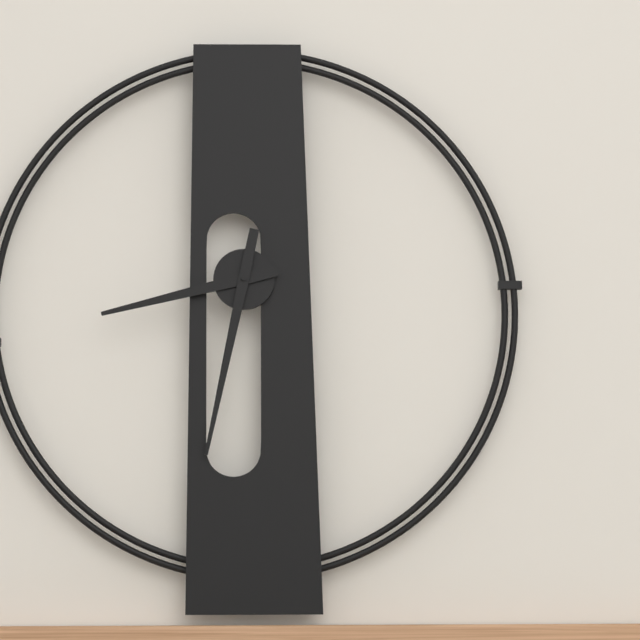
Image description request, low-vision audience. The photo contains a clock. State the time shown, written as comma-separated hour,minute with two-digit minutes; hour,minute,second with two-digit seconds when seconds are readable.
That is 8,32
